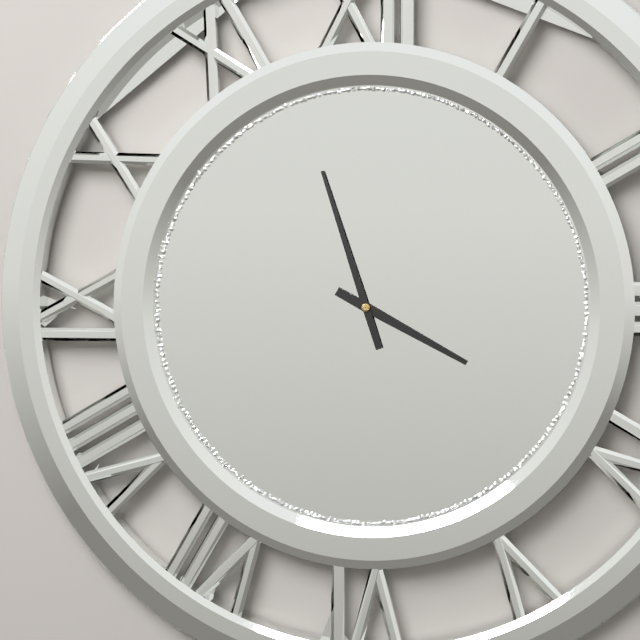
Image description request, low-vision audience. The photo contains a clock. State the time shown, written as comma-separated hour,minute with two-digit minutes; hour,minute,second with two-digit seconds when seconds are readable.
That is 3,57
